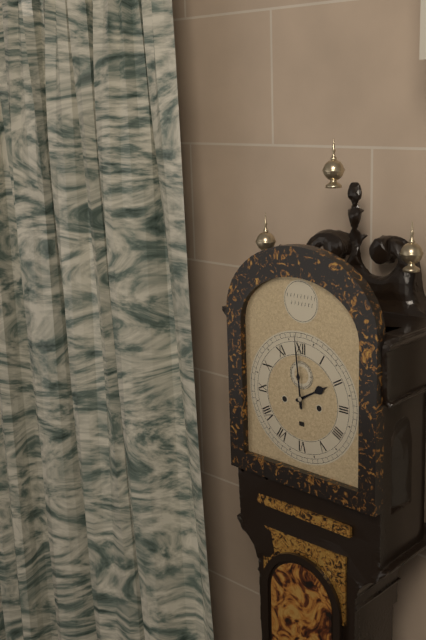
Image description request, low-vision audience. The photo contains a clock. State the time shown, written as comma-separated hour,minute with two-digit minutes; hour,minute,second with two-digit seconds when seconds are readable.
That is 1,59
